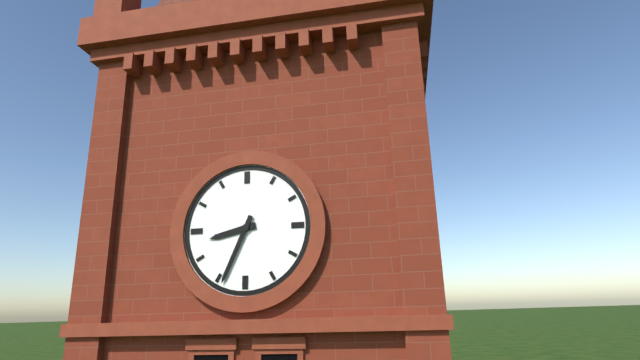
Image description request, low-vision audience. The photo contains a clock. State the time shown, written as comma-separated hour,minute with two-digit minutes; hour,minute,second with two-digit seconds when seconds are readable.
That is 8,34
